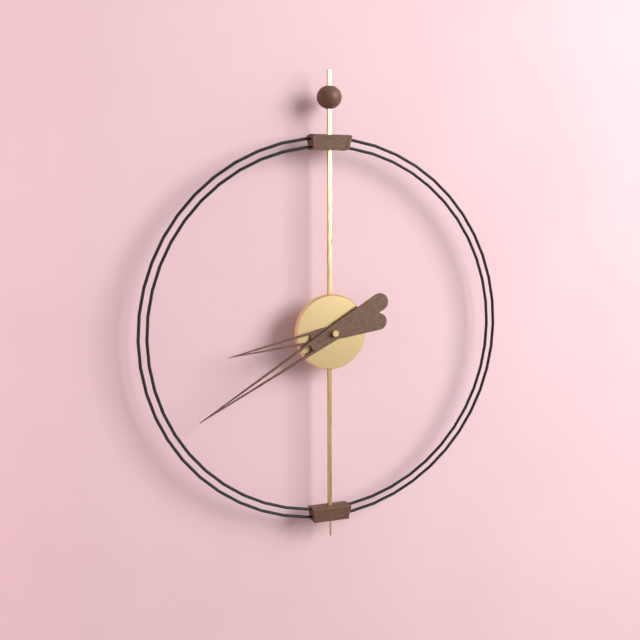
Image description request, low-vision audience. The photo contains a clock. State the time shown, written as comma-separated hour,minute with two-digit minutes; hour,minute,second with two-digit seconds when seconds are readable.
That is 8,40
